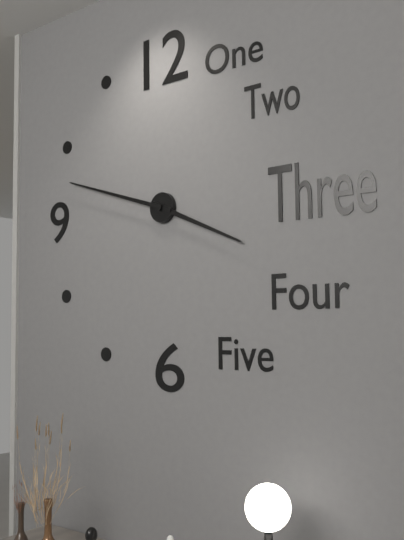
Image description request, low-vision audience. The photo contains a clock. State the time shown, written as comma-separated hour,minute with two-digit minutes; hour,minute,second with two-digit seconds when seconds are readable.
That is 3,48
